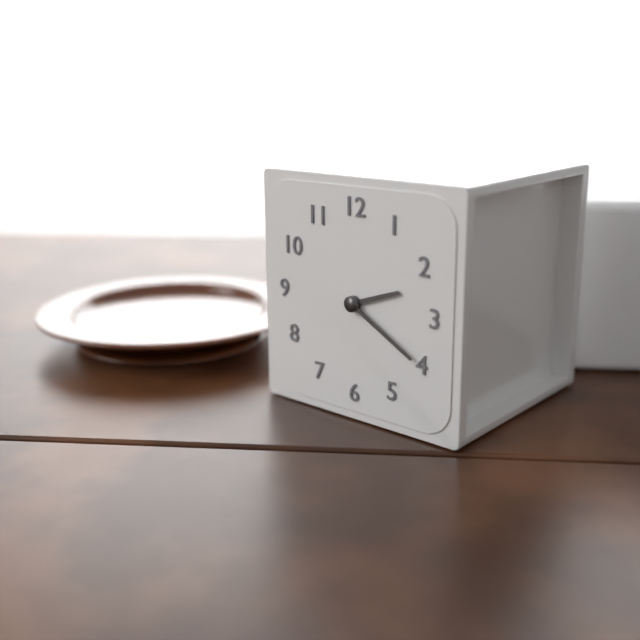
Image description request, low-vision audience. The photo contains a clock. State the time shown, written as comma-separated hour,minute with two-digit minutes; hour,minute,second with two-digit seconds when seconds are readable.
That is 2,20
